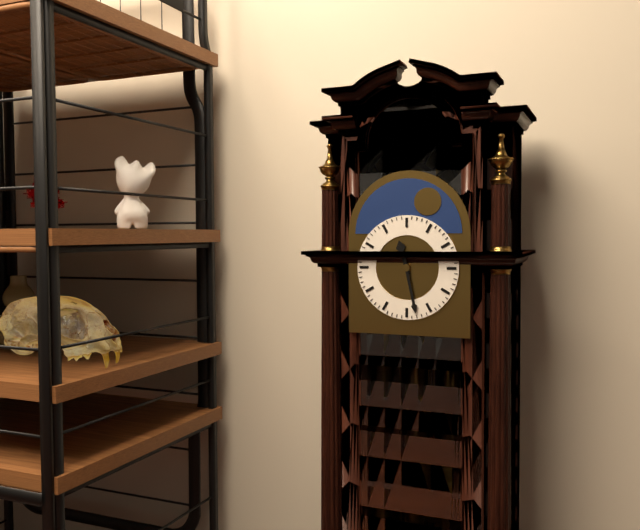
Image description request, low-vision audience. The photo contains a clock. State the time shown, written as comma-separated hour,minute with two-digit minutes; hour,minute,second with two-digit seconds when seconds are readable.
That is 11,28
